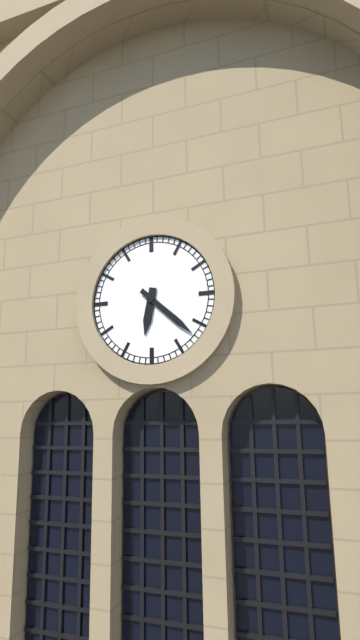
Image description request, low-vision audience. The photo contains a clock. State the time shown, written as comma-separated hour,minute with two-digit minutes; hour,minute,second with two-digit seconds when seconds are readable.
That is 6,22
